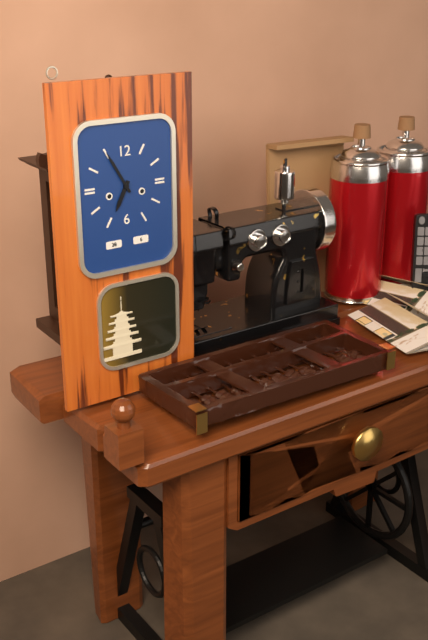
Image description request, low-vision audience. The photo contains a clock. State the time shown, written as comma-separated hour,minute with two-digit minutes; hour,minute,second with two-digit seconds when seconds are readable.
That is 6,55
